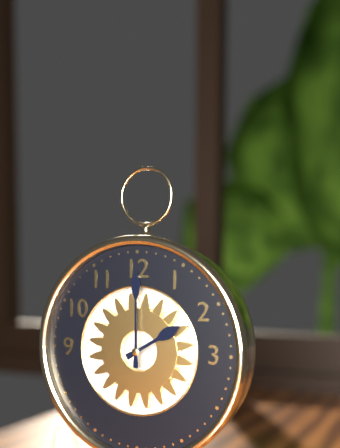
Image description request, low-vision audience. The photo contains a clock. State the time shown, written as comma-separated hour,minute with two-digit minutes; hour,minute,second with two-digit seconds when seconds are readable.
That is 2,00
